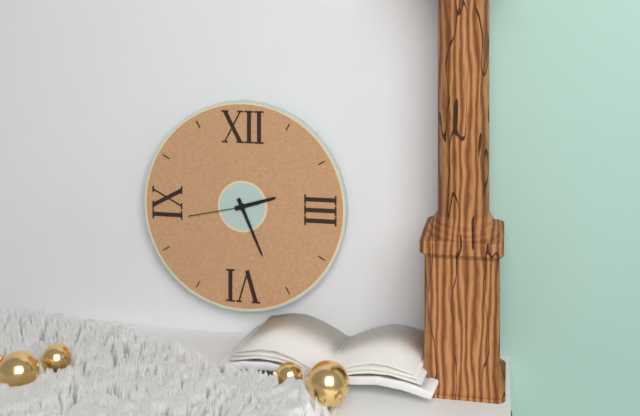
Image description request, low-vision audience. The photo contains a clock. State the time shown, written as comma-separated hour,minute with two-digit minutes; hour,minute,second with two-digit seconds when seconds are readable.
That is 2,26,43
